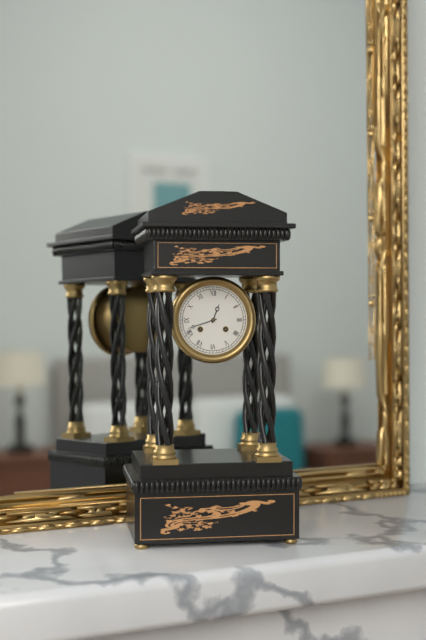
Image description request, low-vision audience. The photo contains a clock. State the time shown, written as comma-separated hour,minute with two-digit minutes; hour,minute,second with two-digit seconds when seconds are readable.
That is 12,42
